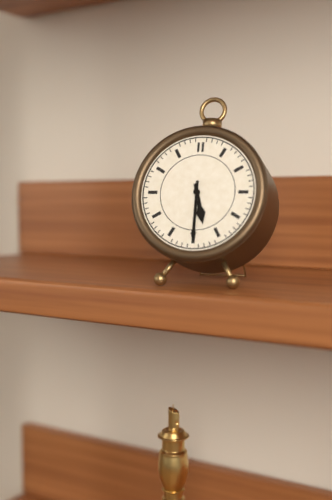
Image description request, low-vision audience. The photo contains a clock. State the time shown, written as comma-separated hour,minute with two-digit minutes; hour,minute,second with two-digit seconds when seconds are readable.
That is 5,30
